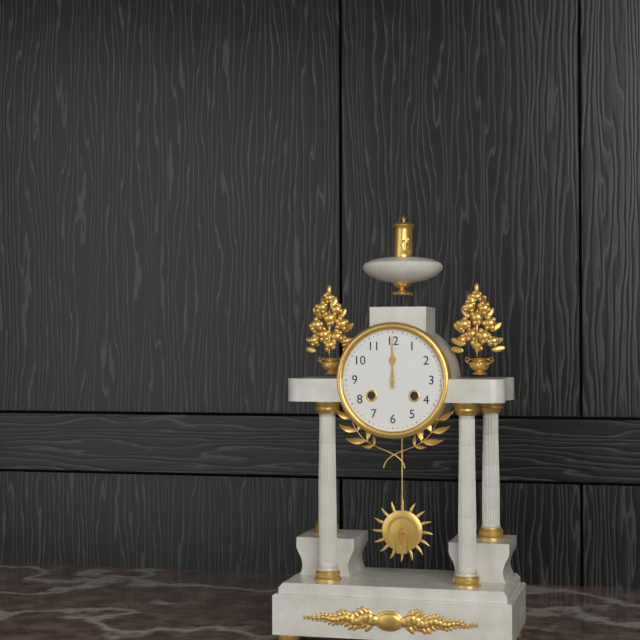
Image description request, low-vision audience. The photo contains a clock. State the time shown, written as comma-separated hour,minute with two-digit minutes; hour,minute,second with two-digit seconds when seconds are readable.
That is 12,00
